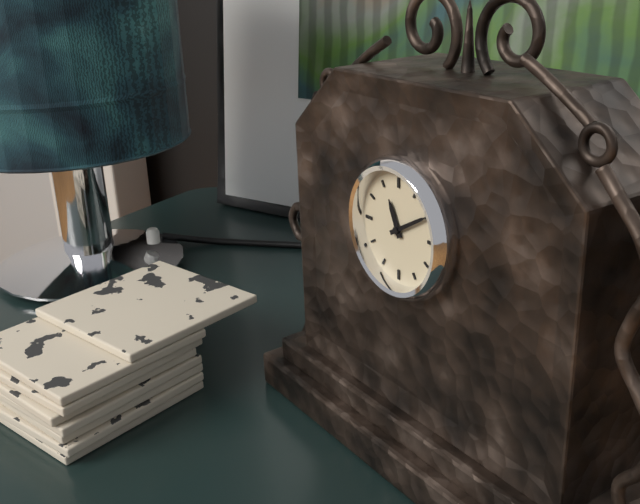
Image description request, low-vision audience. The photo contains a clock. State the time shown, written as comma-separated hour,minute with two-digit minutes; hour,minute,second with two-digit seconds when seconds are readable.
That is 11,10
